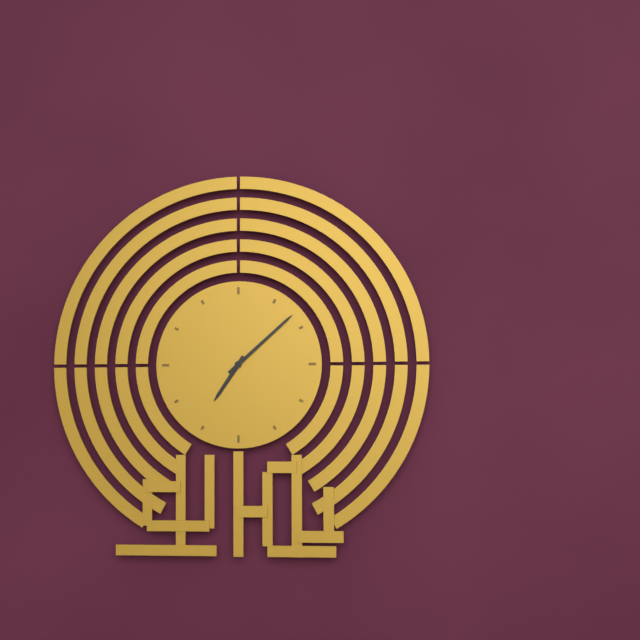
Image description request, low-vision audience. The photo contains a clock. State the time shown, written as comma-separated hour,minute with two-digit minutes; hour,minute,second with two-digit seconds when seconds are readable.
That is 7,08
